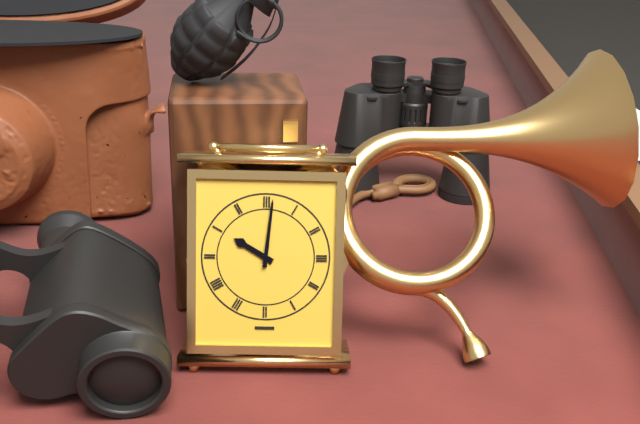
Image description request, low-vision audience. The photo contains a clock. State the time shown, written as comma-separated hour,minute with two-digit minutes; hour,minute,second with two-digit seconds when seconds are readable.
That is 10,01
